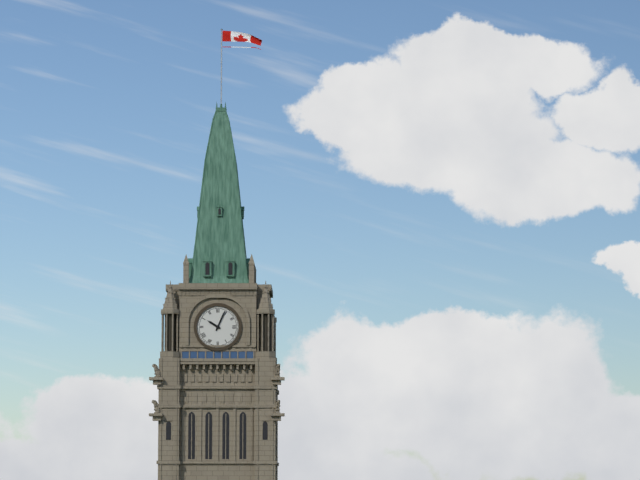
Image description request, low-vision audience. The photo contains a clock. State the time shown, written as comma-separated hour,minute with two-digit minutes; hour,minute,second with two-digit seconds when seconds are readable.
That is 10,04
